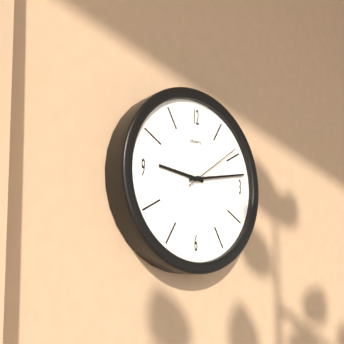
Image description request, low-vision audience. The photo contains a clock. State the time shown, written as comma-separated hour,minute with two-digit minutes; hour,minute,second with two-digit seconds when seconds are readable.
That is 9,13,09
